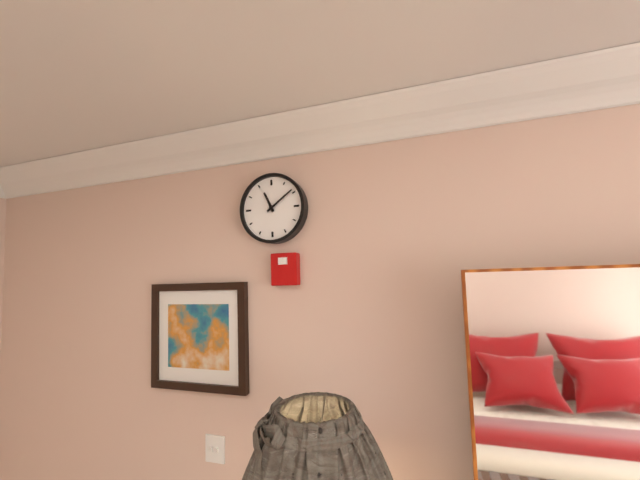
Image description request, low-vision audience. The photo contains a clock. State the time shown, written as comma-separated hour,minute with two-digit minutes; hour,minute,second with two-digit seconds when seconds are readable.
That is 11,09
